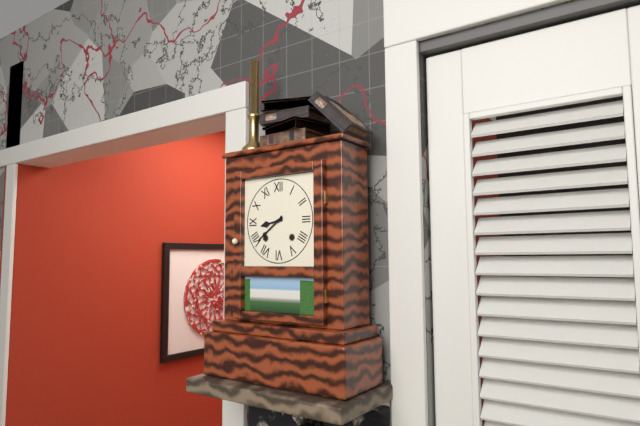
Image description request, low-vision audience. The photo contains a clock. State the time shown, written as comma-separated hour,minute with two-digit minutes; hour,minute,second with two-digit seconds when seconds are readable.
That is 8,39
